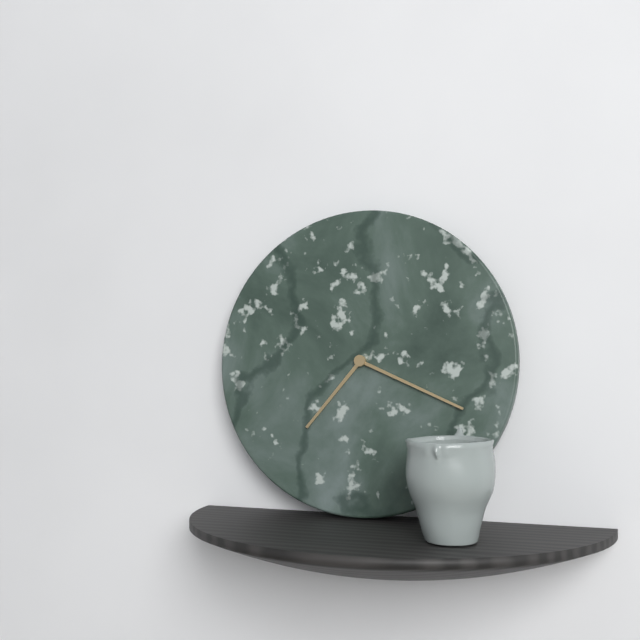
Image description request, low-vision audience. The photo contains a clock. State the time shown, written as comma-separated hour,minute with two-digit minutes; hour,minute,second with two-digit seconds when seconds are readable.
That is 7,19
